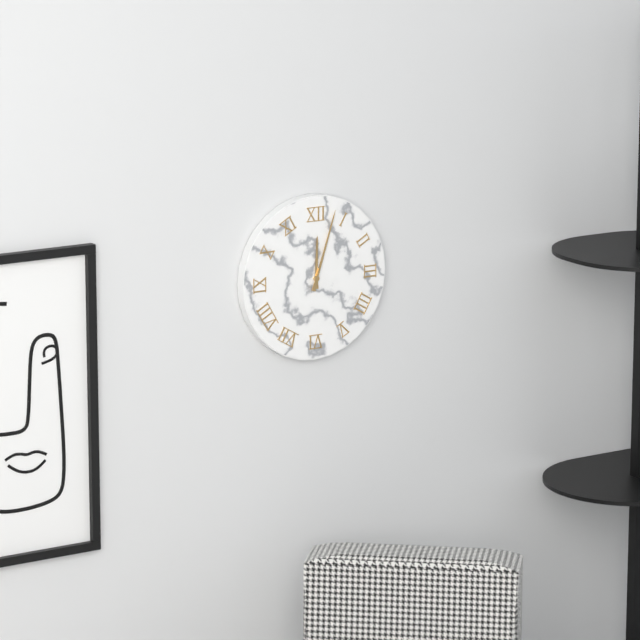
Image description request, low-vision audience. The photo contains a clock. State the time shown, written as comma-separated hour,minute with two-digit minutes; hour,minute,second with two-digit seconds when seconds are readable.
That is 12,03
